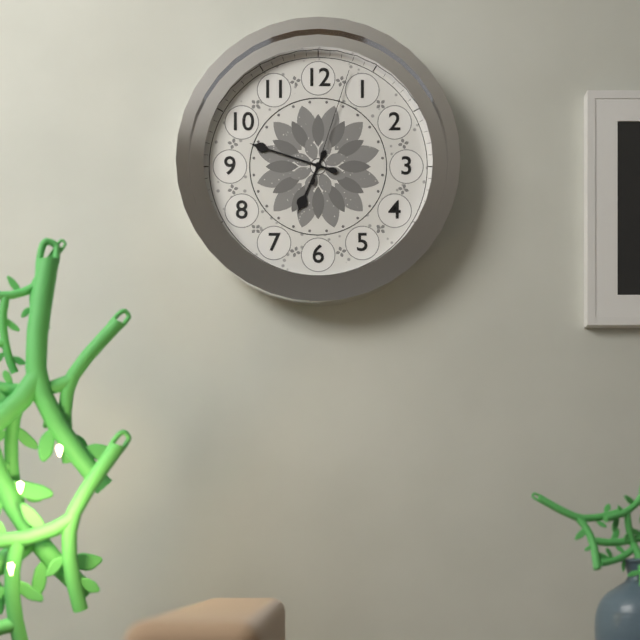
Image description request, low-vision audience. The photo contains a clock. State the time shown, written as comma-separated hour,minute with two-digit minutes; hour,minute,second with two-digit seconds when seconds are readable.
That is 6,48,03
